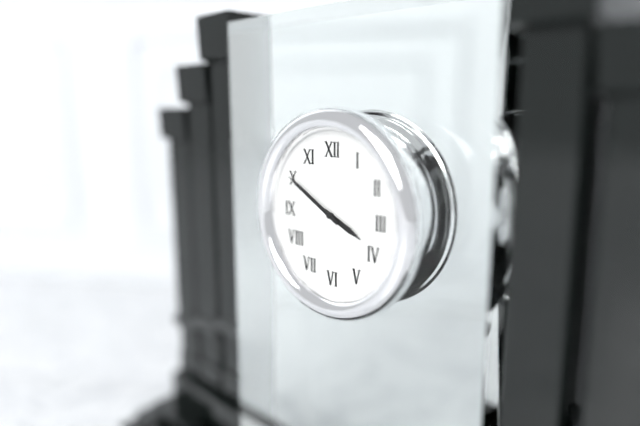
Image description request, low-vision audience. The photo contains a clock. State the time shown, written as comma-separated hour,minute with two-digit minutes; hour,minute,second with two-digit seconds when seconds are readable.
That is 3,50
